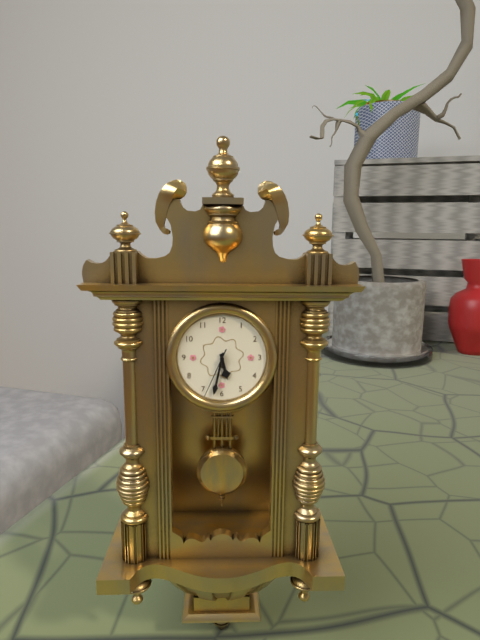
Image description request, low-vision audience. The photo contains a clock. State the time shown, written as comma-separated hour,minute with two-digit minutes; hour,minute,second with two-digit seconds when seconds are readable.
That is 5,32,34
